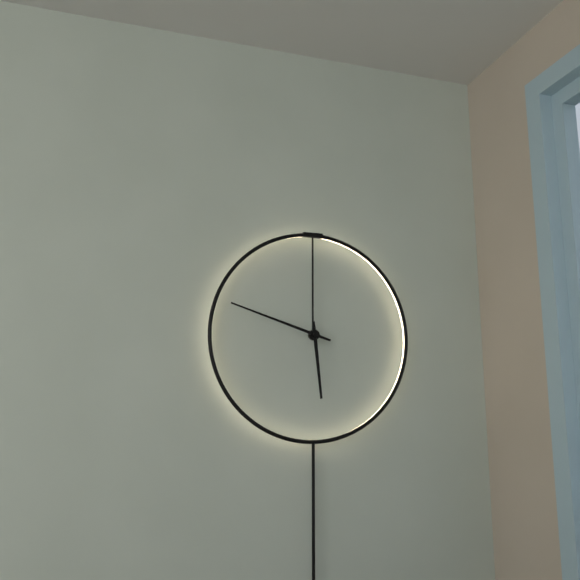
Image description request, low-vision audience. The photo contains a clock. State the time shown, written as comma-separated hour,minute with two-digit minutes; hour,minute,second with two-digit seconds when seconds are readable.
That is 5,48
